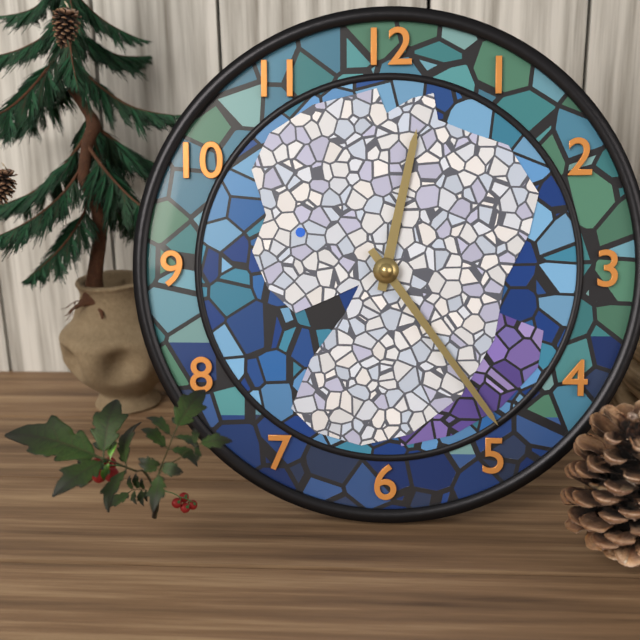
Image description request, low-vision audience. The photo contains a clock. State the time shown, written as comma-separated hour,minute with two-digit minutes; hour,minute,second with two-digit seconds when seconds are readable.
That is 12,24
